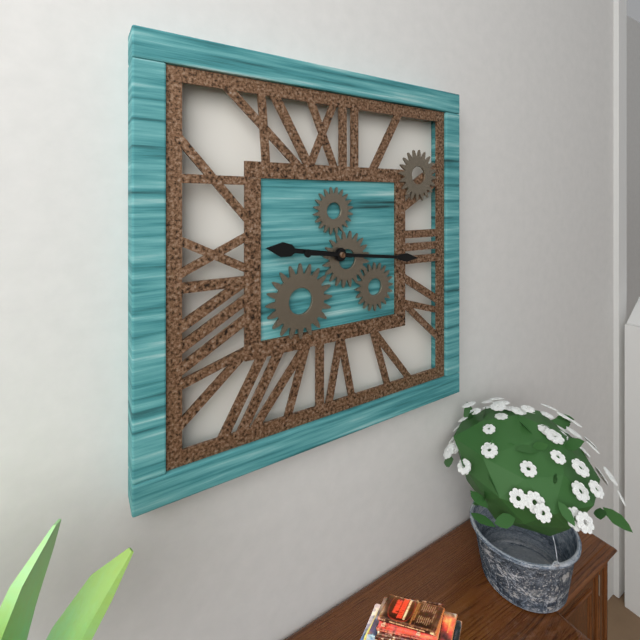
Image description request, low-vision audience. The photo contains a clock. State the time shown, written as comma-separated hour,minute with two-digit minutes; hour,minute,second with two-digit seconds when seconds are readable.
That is 9,16
